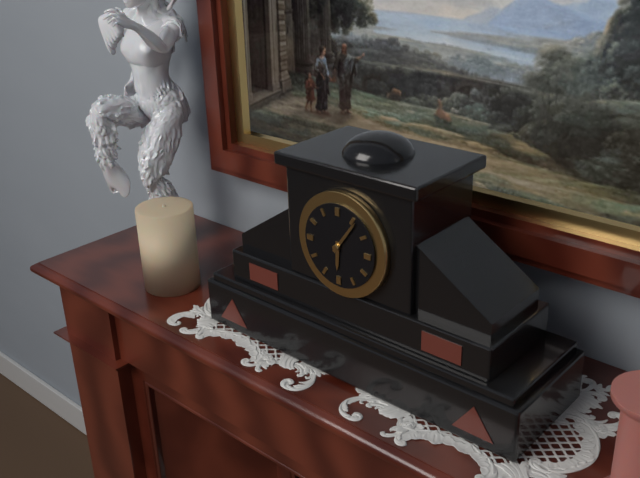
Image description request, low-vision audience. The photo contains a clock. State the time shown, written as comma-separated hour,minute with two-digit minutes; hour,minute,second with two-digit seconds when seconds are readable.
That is 6,06
